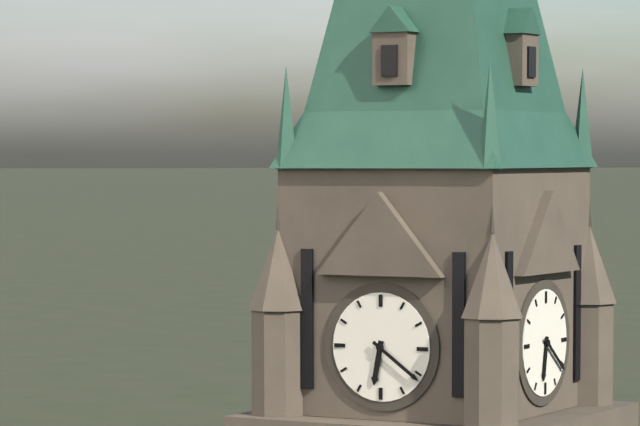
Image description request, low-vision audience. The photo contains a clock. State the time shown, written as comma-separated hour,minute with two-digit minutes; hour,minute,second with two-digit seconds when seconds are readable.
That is 6,21
